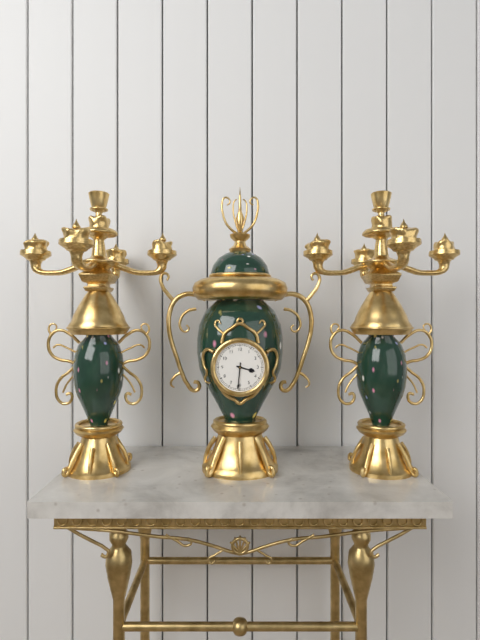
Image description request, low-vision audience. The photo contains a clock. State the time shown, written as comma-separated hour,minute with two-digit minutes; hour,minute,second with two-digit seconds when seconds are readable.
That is 3,31
